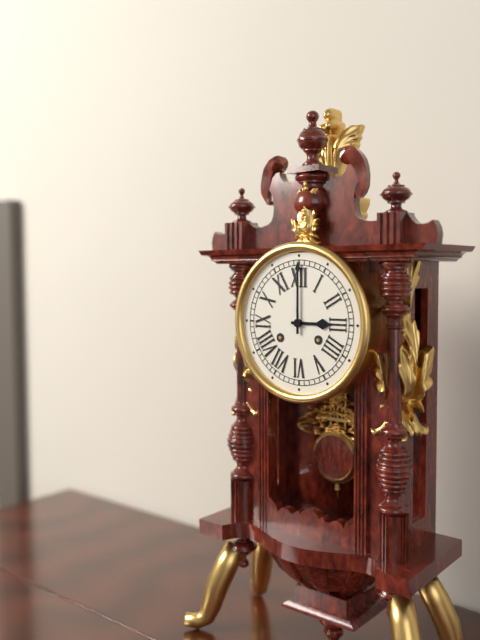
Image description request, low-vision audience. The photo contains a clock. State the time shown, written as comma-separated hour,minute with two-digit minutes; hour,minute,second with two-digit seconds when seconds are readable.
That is 3,00
